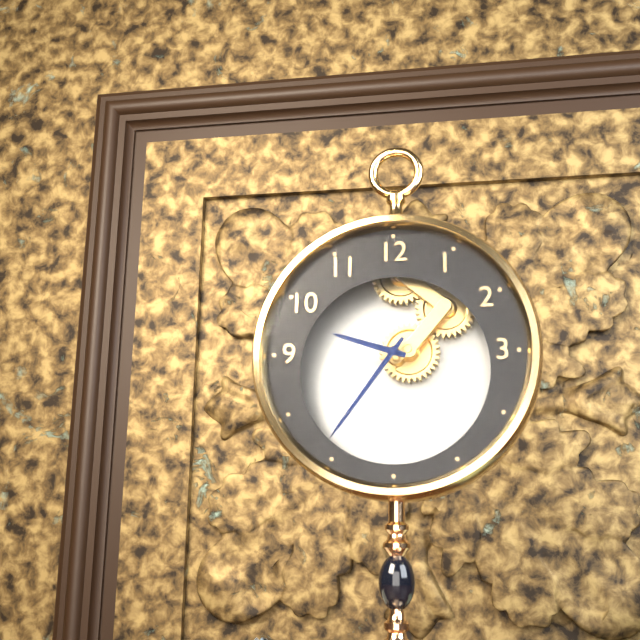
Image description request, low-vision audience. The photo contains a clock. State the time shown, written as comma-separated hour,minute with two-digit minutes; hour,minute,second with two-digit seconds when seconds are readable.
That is 9,36
